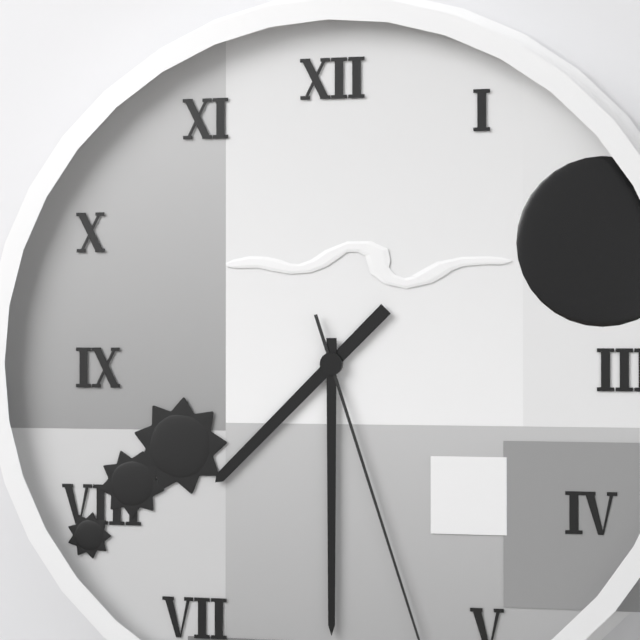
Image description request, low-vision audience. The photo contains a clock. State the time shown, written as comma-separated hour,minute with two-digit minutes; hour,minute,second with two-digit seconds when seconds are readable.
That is 7,30
